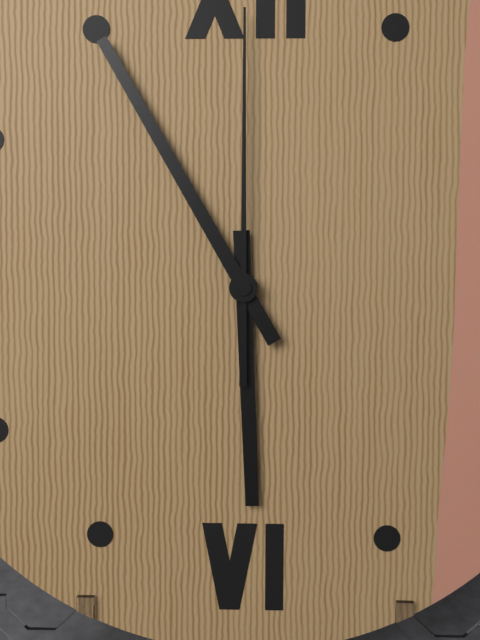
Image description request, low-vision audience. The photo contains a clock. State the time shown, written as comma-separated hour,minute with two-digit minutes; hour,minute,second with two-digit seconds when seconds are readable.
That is 5,55,00
